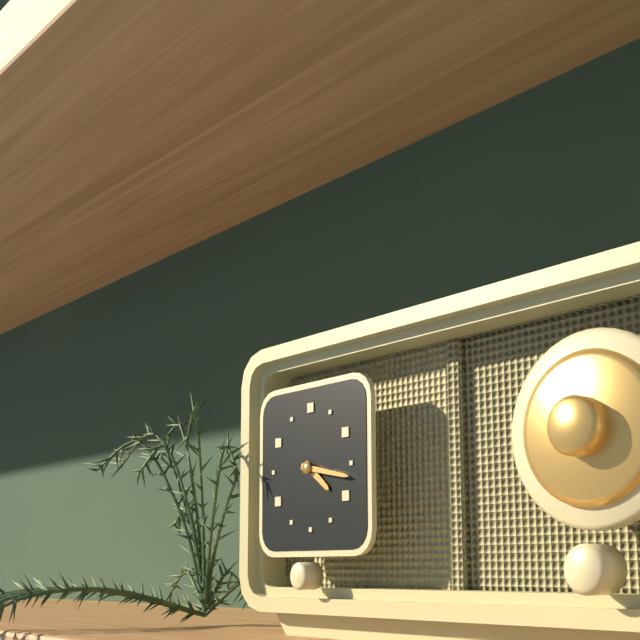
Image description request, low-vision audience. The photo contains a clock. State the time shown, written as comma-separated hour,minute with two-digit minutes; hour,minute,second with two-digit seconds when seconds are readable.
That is 4,17
